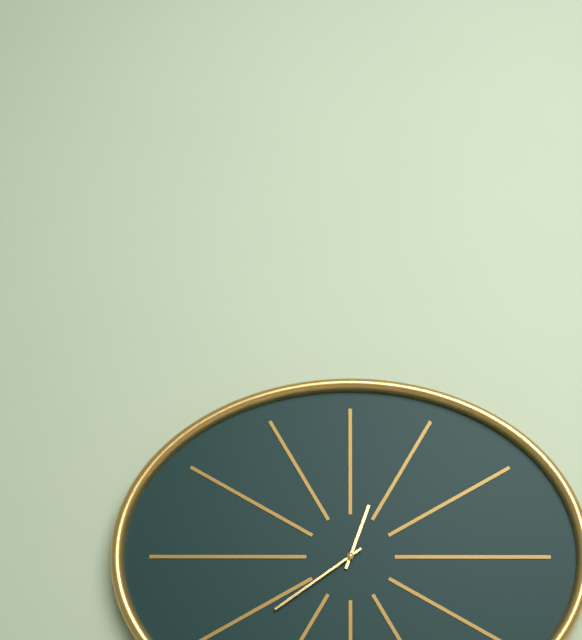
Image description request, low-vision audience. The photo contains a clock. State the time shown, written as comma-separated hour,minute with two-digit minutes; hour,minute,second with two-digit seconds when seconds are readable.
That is 12,39
